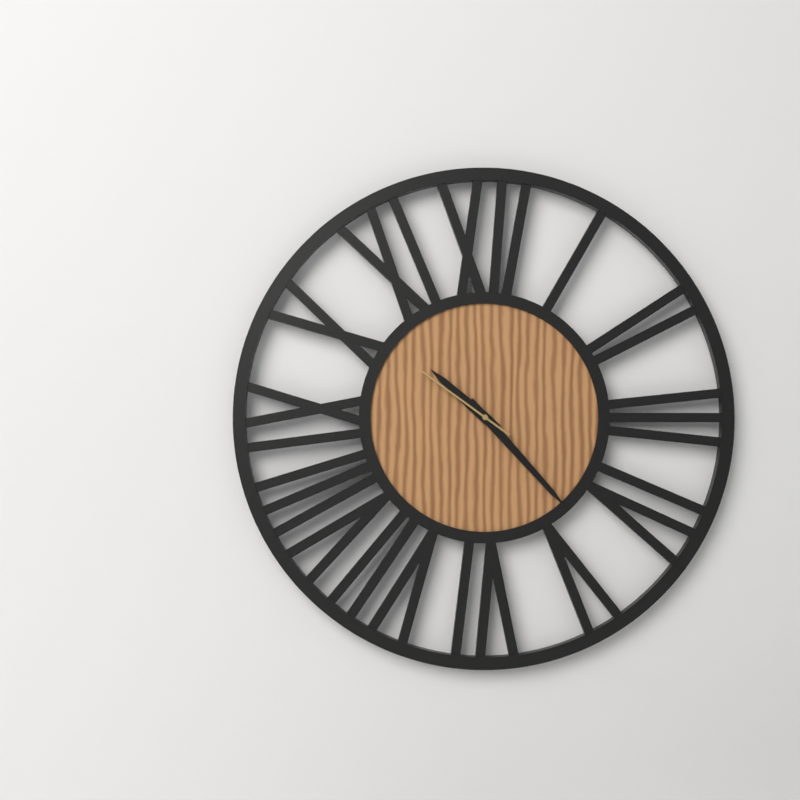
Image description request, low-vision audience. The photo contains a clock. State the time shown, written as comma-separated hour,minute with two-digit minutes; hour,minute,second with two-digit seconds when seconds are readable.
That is 10,23,51
